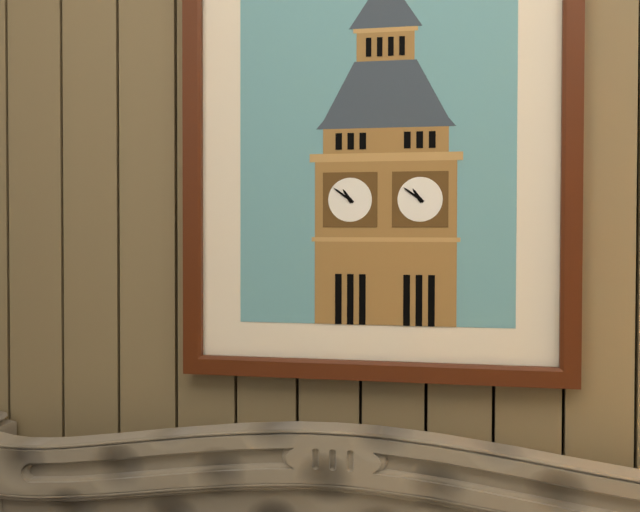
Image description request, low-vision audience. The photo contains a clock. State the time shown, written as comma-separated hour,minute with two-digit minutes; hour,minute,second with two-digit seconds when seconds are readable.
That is 10,51
